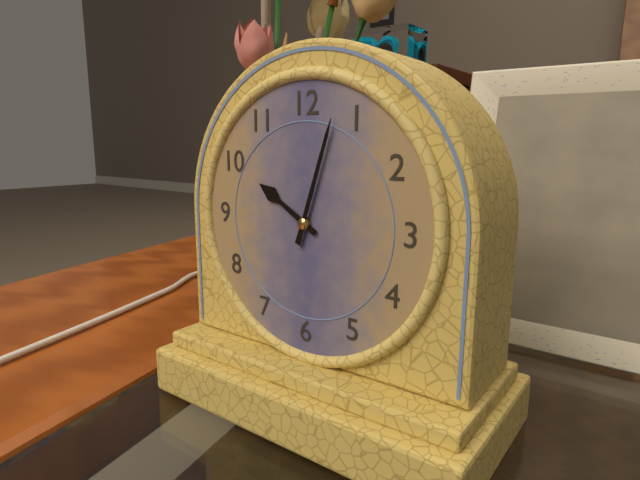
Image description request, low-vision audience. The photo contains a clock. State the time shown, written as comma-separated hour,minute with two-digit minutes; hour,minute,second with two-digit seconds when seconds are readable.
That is 10,03
